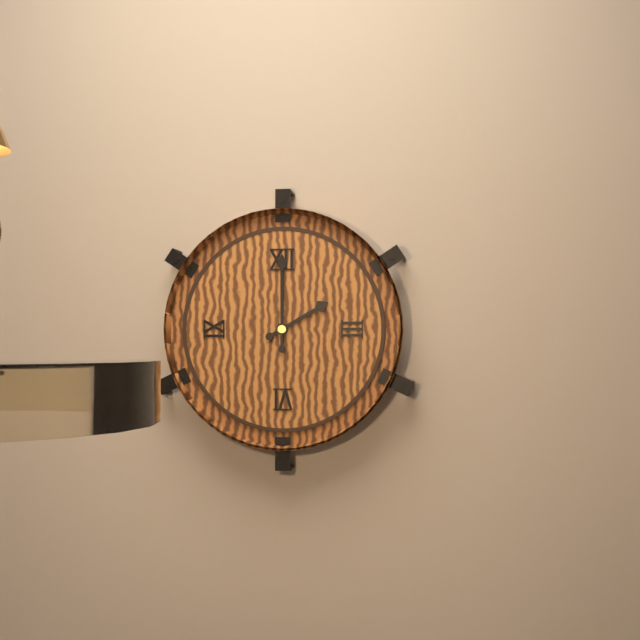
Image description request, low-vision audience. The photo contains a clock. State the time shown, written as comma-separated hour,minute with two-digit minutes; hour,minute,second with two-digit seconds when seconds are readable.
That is 2,00
